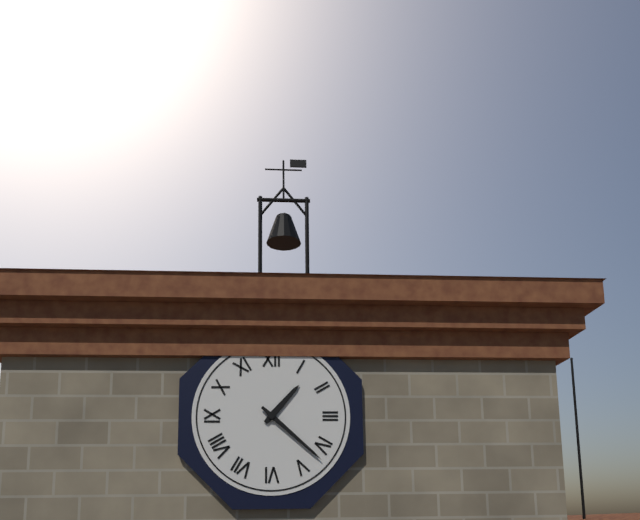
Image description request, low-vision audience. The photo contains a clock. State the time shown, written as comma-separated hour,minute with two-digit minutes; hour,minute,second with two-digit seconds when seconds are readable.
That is 1,22
